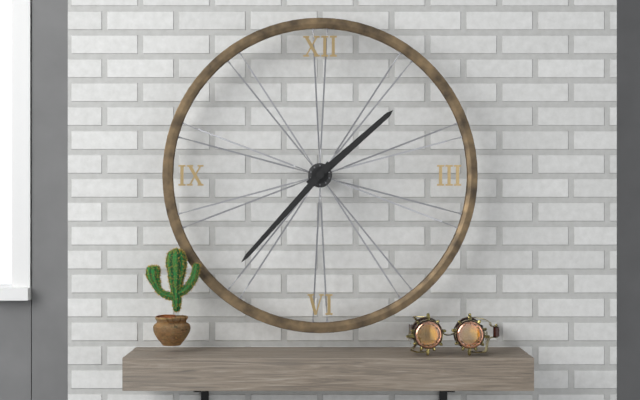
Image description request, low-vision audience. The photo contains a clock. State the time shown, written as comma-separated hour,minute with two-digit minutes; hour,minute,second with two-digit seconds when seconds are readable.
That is 1,37
